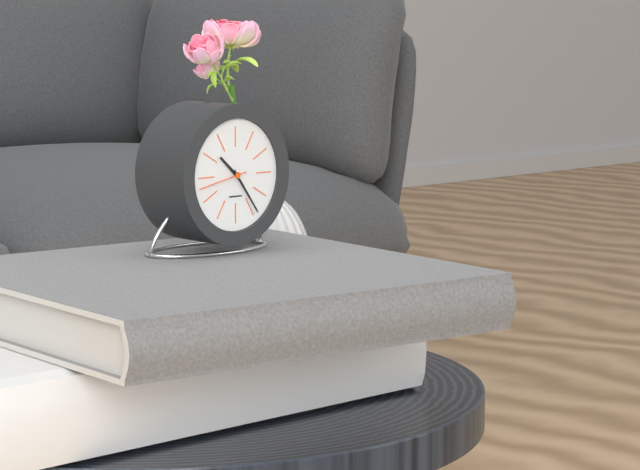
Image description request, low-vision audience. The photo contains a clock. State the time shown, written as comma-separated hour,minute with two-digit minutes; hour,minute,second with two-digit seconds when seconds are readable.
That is 10,24,43
